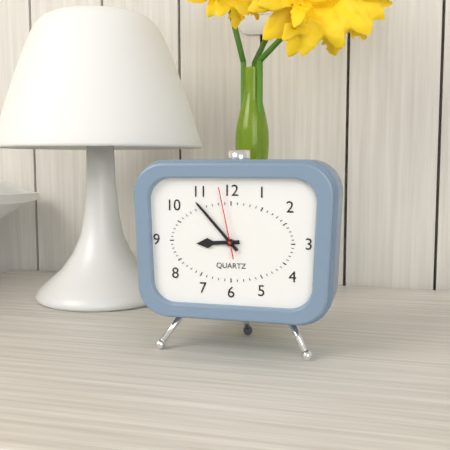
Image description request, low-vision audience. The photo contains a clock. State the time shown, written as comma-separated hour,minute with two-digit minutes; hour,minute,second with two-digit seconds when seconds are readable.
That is 8,53,58
